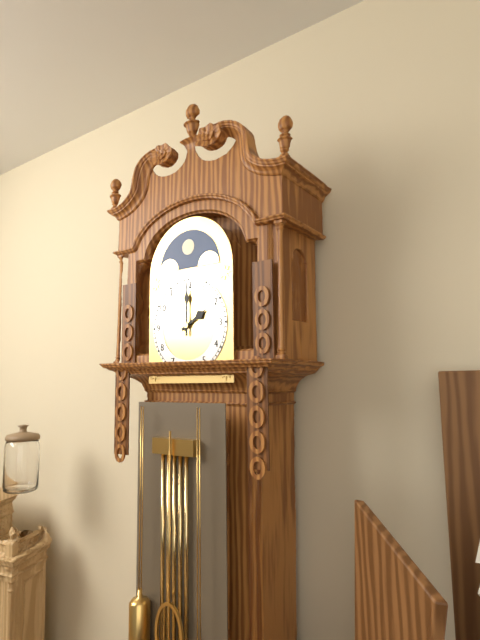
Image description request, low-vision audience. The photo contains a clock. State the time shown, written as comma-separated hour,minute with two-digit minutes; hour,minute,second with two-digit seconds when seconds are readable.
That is 2,00
